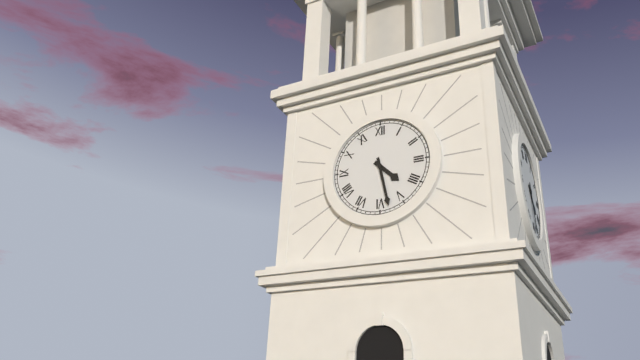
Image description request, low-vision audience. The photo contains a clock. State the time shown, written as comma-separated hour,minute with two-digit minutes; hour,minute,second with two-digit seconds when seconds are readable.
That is 4,28
